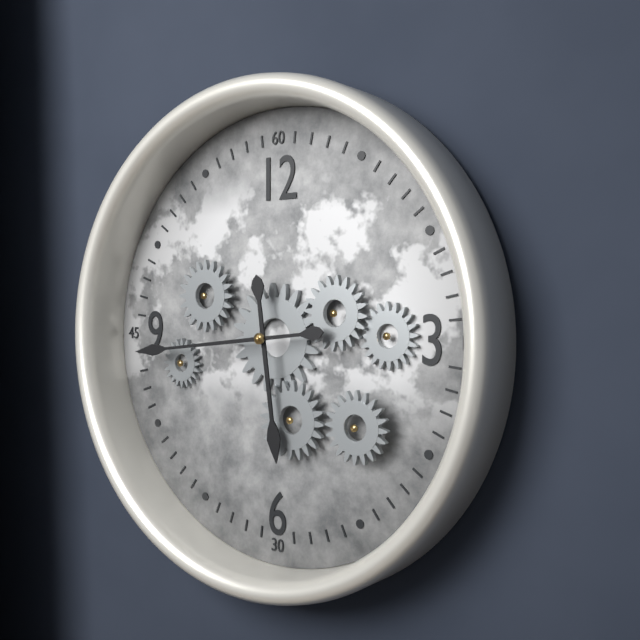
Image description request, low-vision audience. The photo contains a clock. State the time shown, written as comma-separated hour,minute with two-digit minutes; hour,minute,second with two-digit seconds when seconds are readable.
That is 5,44
